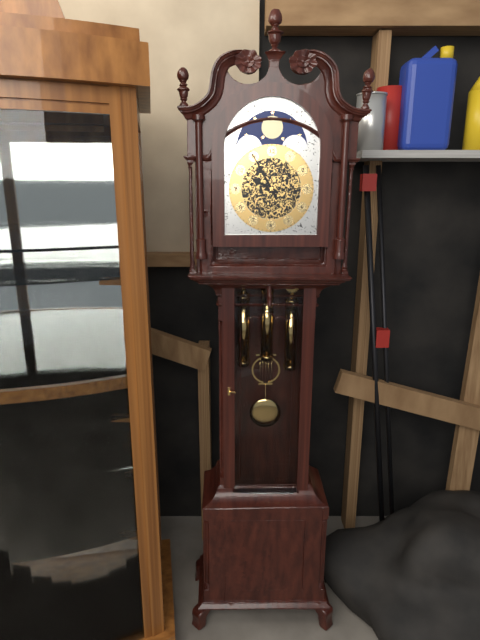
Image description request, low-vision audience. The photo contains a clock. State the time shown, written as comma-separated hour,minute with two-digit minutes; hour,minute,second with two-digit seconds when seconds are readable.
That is 9,55
